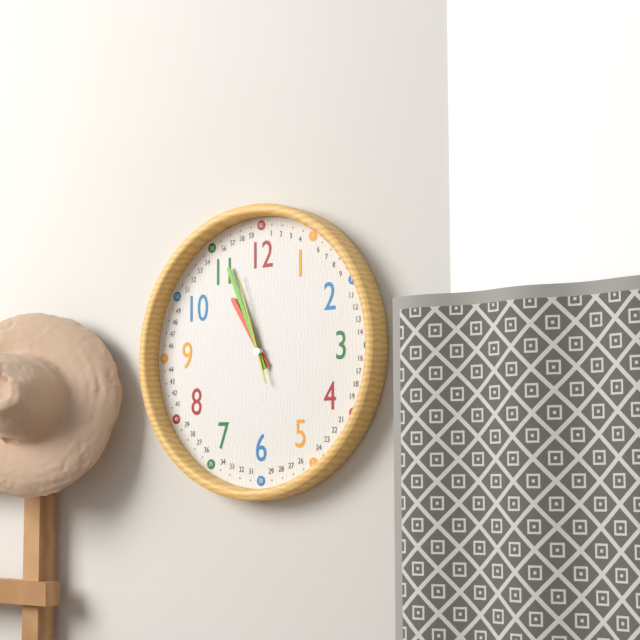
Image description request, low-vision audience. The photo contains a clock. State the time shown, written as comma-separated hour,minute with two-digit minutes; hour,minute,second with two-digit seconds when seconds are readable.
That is 10,56,57
